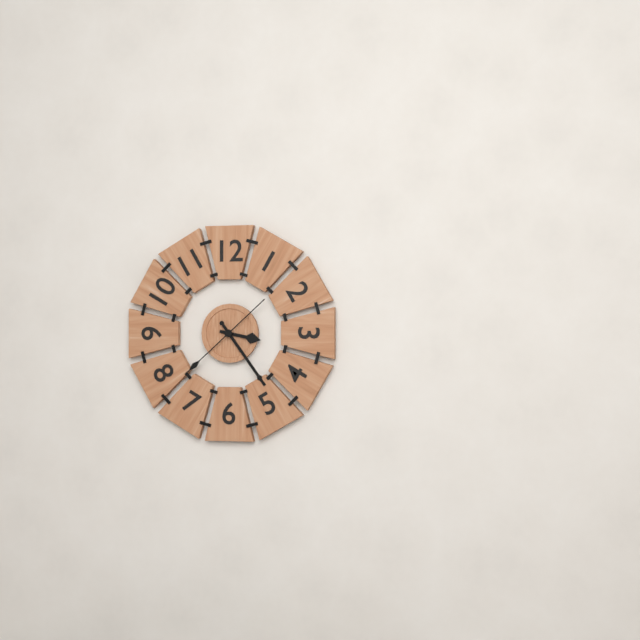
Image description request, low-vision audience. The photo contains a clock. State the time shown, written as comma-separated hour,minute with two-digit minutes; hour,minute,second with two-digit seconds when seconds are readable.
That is 3,24,38
